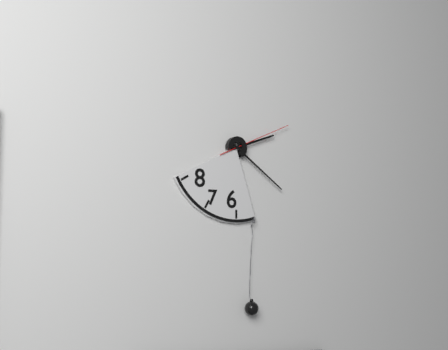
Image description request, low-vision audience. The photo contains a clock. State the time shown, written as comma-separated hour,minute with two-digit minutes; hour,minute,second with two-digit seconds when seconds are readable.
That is 2,21,11
